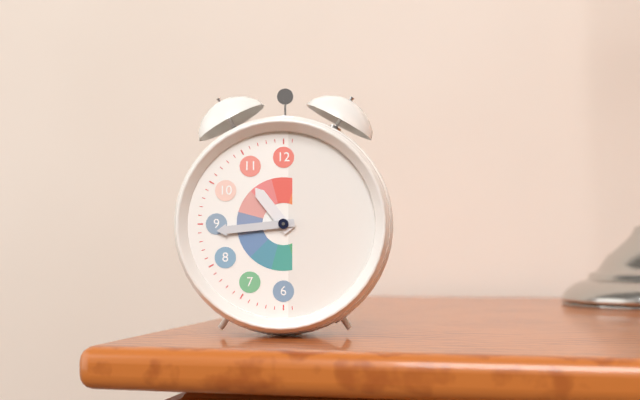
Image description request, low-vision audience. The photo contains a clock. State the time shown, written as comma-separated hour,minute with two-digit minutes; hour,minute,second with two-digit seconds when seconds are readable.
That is 10,44
